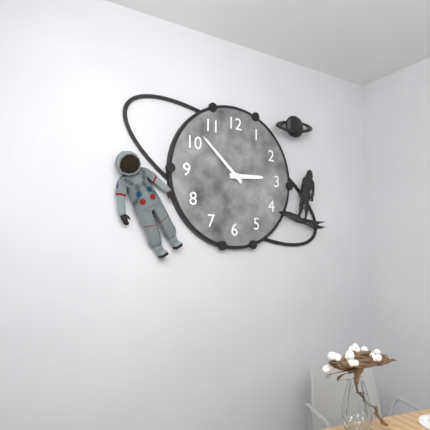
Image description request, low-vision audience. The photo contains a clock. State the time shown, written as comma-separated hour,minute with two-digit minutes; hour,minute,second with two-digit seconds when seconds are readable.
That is 2,52
